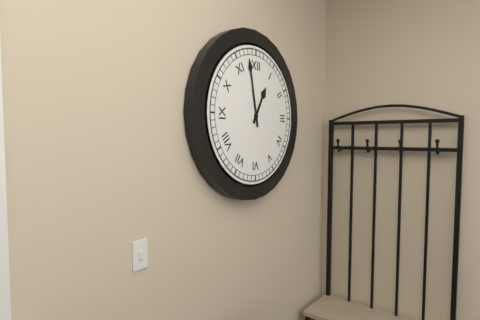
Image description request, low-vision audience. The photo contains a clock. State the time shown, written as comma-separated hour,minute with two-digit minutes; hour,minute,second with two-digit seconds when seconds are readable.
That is 12,58
